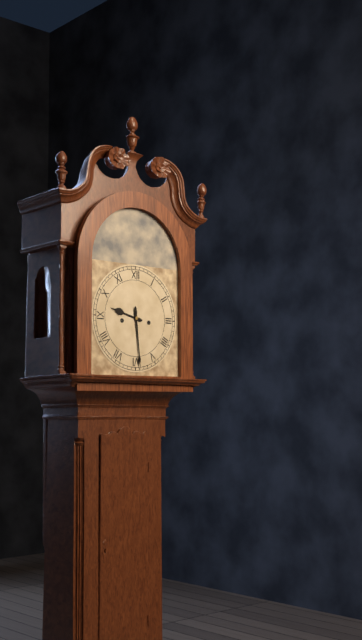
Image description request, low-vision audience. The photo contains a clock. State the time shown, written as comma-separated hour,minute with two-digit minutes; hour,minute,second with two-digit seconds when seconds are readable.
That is 9,29
